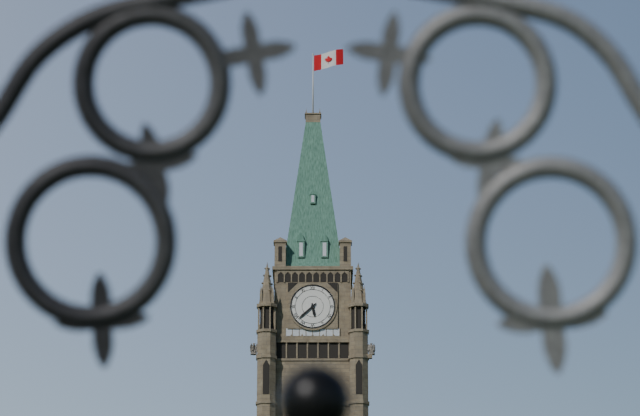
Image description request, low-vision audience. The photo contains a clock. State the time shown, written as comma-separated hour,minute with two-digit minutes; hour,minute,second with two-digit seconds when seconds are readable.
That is 5,38
